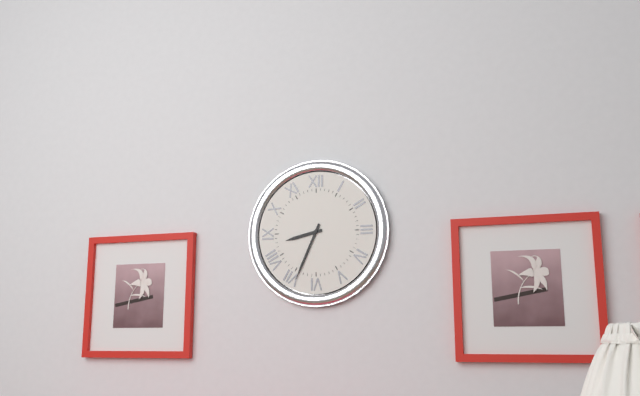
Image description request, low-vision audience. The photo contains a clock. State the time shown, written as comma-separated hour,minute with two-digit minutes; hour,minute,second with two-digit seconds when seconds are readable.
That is 8,34
